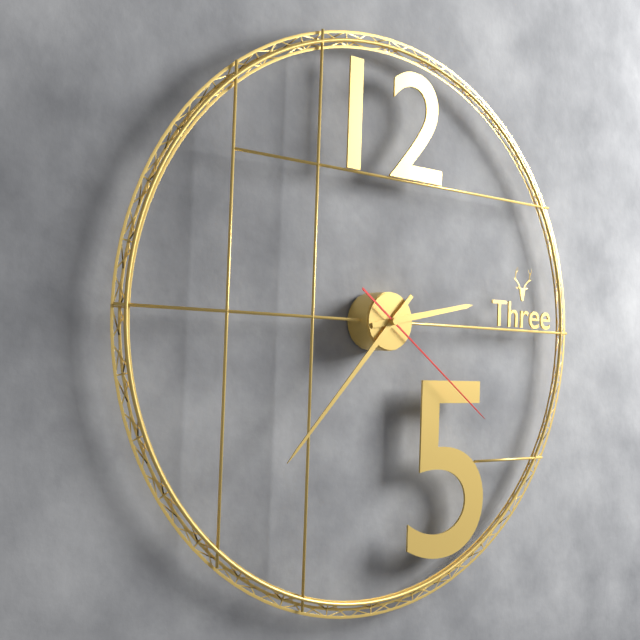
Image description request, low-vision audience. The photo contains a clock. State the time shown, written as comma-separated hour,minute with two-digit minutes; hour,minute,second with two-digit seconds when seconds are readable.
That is 2,37,21
